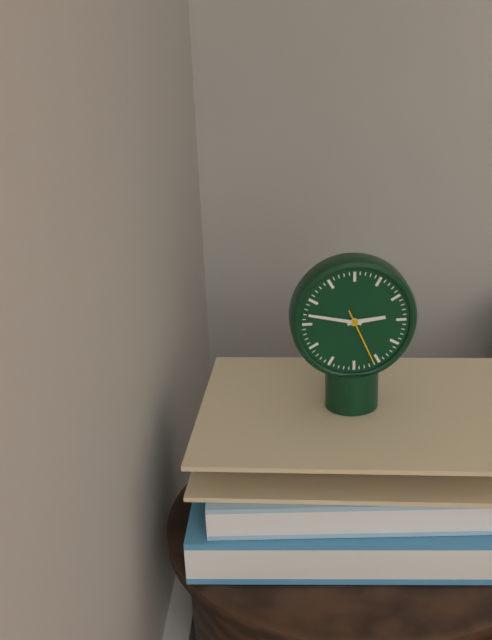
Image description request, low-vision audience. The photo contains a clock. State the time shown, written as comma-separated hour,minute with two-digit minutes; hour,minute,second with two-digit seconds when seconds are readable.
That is 2,47,26
